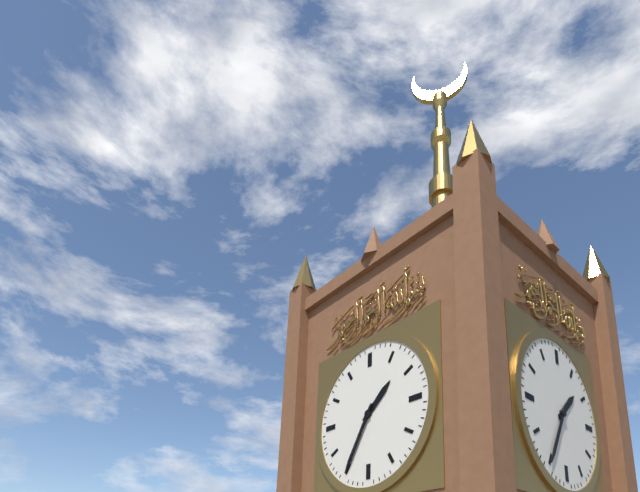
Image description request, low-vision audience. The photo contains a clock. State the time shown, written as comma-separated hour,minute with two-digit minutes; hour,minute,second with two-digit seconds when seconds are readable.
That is 1,35
